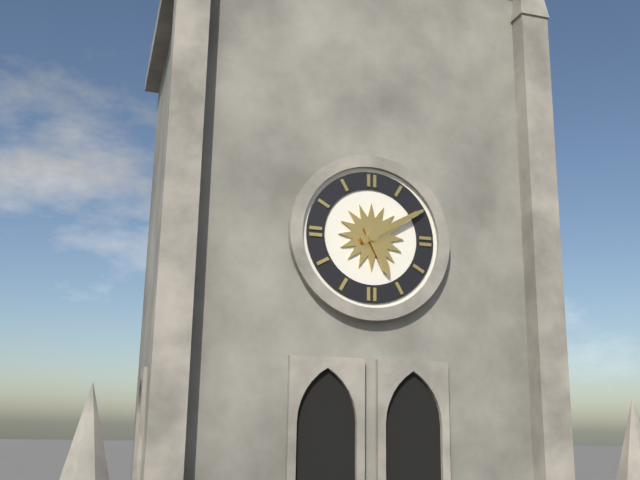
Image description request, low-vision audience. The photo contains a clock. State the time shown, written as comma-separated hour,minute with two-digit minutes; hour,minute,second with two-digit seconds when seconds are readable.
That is 5,10
